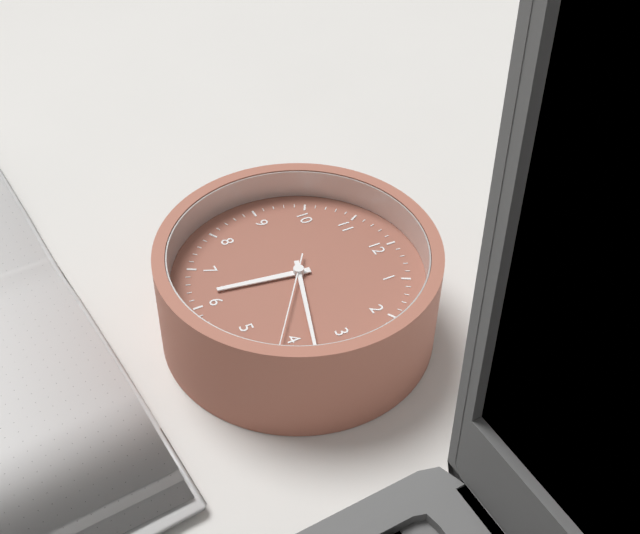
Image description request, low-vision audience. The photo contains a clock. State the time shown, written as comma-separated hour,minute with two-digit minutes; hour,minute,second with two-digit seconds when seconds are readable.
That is 6,18
